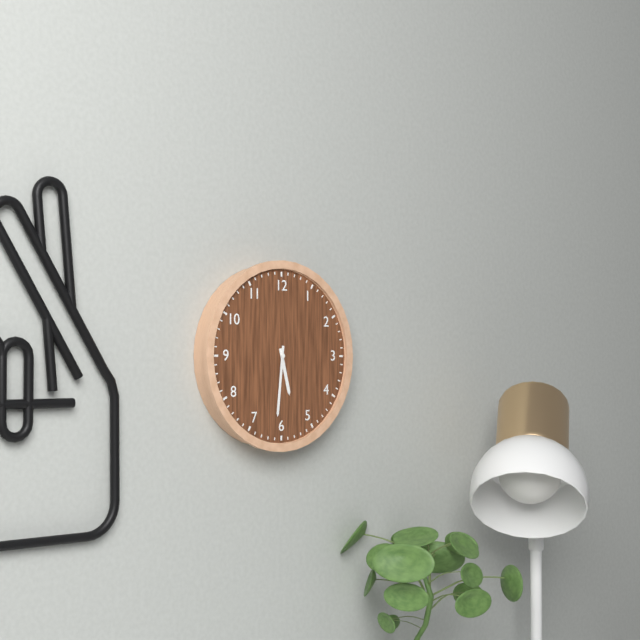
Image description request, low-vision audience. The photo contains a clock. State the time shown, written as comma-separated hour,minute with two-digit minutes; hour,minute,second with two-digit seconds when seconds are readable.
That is 5,31
